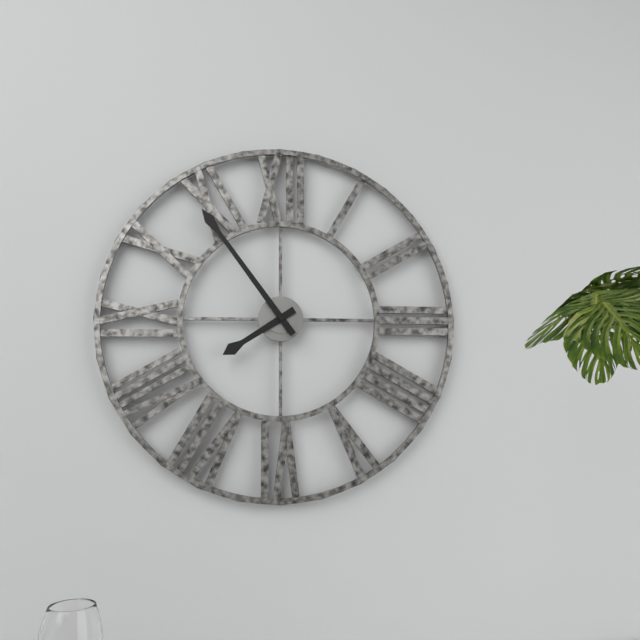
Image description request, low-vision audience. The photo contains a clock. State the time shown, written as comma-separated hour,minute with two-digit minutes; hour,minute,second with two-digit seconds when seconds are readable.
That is 7,54
